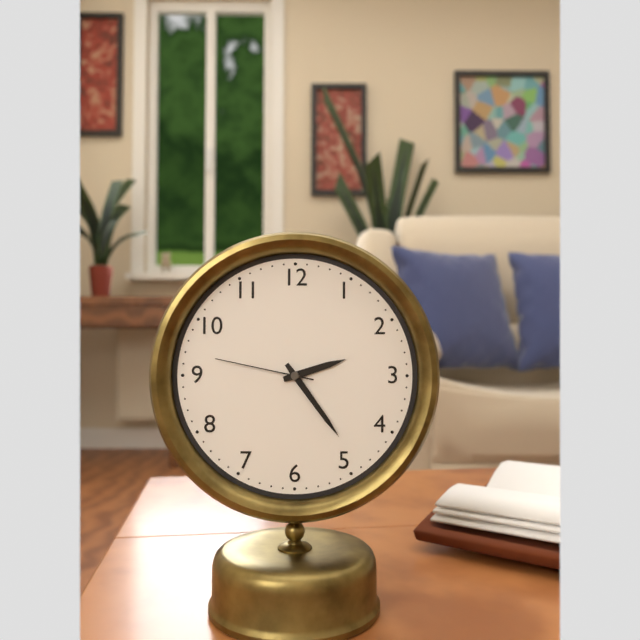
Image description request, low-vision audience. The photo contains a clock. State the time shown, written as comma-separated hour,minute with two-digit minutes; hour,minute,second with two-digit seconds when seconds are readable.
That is 2,24,47
